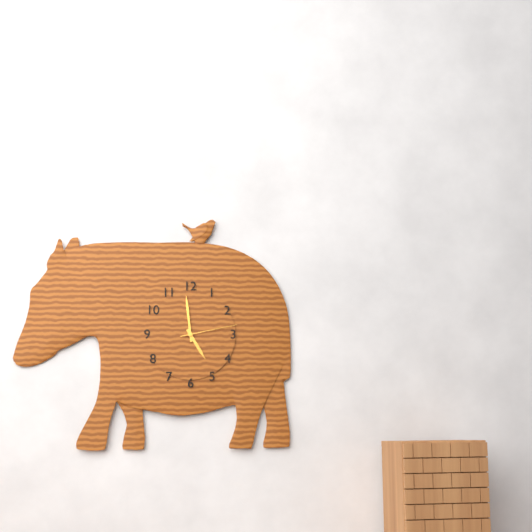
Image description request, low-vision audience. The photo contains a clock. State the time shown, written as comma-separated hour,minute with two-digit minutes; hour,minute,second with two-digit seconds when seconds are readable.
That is 4,59,13
